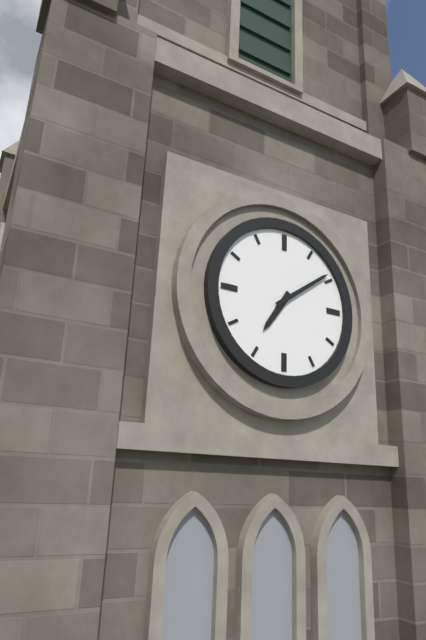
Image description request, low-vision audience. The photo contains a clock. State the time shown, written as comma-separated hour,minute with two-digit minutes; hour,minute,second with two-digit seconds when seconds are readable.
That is 7,09
